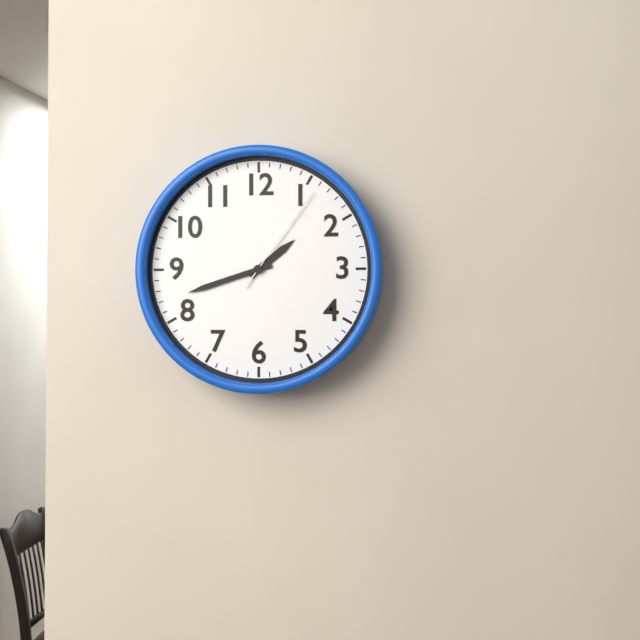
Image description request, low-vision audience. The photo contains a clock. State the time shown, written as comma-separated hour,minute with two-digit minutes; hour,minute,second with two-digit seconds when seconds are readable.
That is 1,42,06
